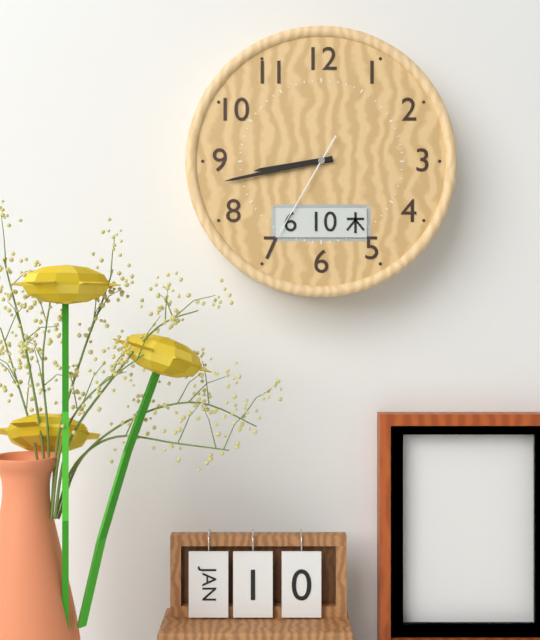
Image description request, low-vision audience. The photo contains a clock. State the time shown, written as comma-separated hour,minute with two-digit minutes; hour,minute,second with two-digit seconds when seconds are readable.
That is 8,43,35
